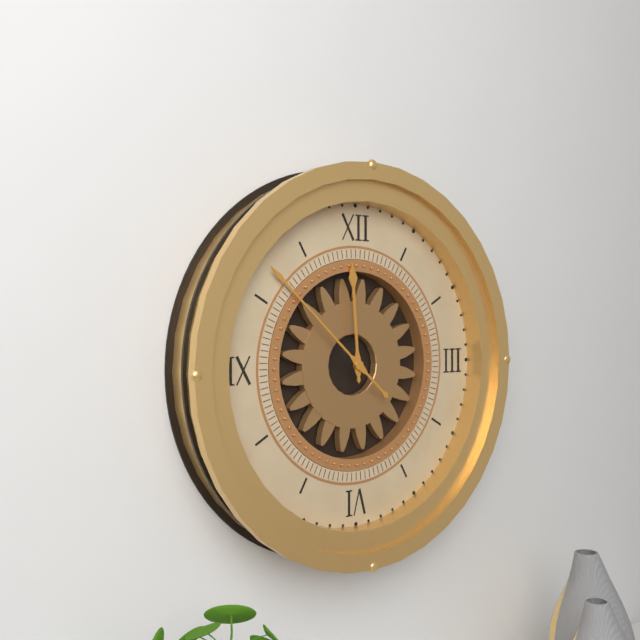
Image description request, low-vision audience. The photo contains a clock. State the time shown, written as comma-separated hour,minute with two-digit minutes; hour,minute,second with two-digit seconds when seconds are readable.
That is 11,52
